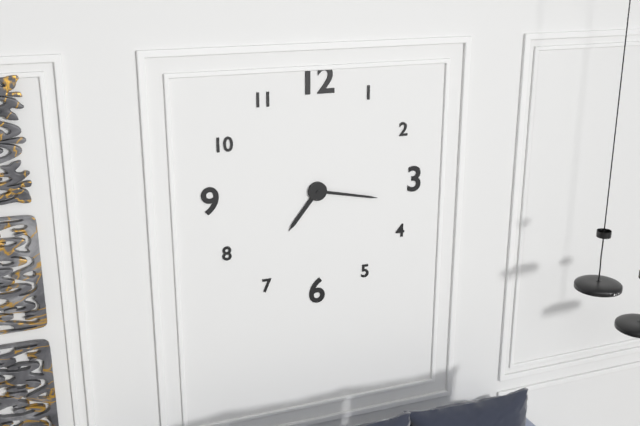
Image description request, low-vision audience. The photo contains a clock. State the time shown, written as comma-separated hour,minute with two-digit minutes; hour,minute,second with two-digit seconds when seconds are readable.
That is 7,17
